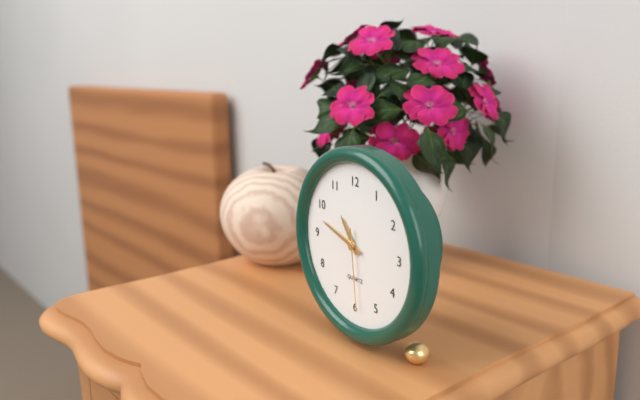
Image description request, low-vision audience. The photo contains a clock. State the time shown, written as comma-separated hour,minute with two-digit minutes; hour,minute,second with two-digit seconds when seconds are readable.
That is 10,48,29
